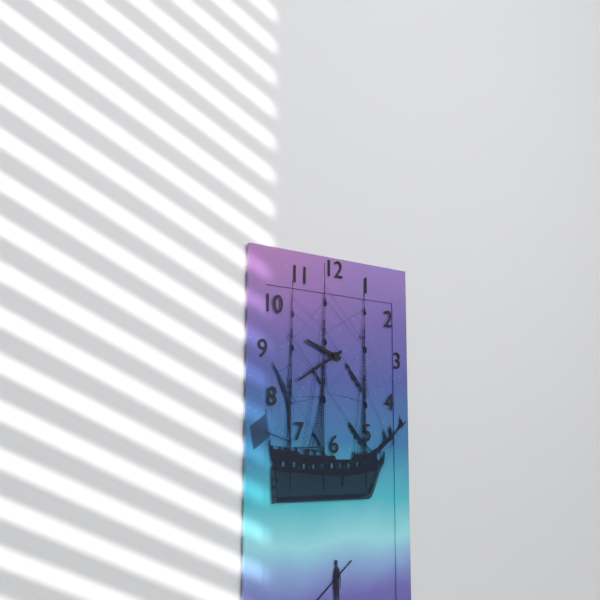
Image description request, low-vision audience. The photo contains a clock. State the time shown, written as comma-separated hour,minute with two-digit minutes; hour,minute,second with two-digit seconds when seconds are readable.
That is 9,40
